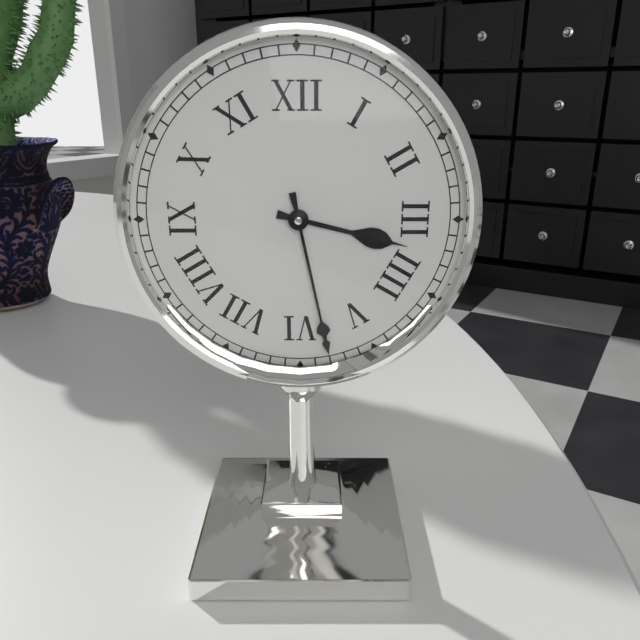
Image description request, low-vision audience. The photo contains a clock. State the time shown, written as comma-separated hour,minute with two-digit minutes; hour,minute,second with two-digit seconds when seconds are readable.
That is 3,28
